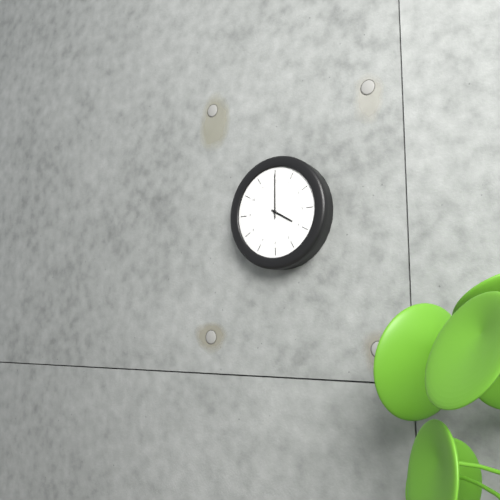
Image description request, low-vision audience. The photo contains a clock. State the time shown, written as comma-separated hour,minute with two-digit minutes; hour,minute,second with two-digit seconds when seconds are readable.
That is 4,00
